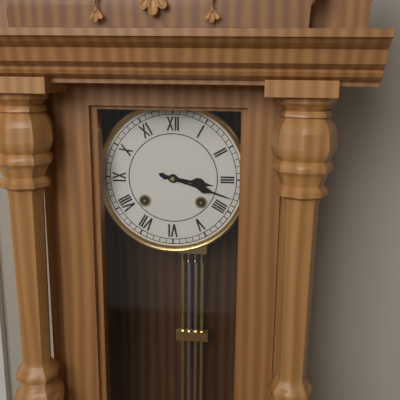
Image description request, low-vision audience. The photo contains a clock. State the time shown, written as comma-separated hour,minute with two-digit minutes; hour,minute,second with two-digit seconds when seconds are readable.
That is 3,18
